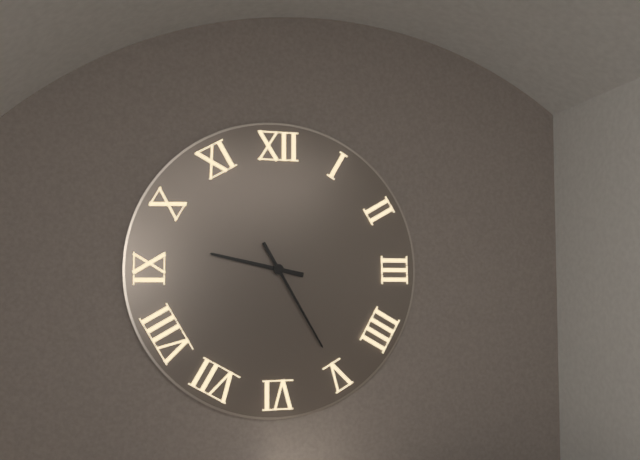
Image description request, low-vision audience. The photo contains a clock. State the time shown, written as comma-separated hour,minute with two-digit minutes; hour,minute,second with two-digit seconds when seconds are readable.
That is 9,25
